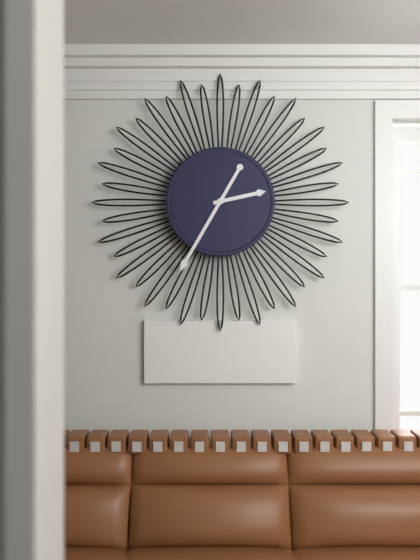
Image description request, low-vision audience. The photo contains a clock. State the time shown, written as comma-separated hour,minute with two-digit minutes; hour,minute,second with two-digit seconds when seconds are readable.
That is 2,35
